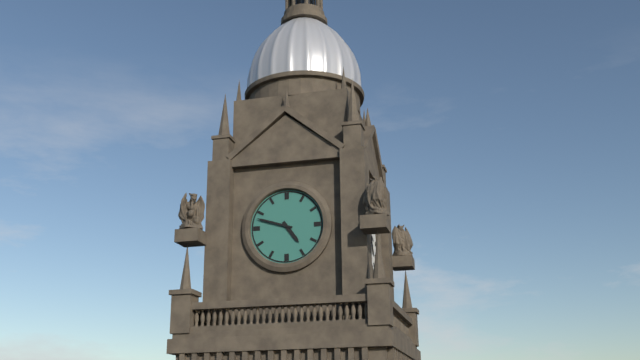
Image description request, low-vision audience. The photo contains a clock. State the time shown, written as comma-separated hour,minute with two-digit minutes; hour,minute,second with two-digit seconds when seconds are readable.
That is 4,48
